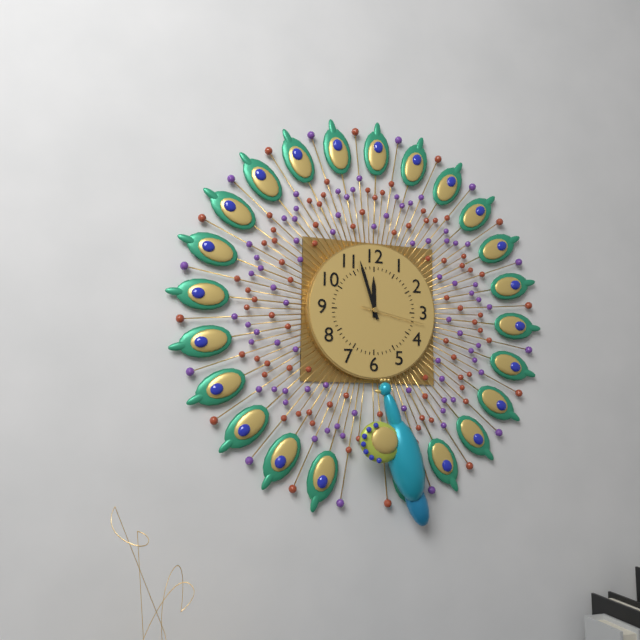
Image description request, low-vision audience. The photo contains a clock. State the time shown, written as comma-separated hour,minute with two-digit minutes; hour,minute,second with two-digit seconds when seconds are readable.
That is 11,57,17
